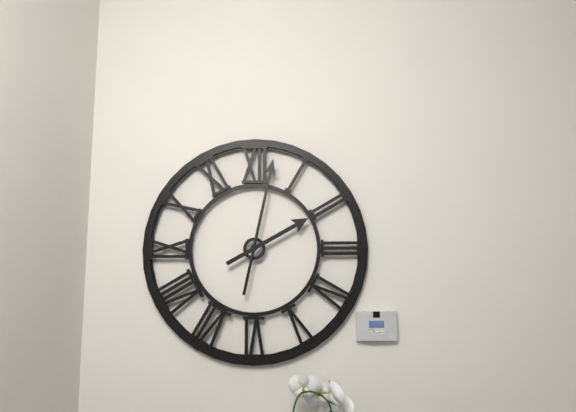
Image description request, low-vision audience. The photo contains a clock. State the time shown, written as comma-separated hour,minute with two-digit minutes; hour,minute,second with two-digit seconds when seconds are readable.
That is 2,02
